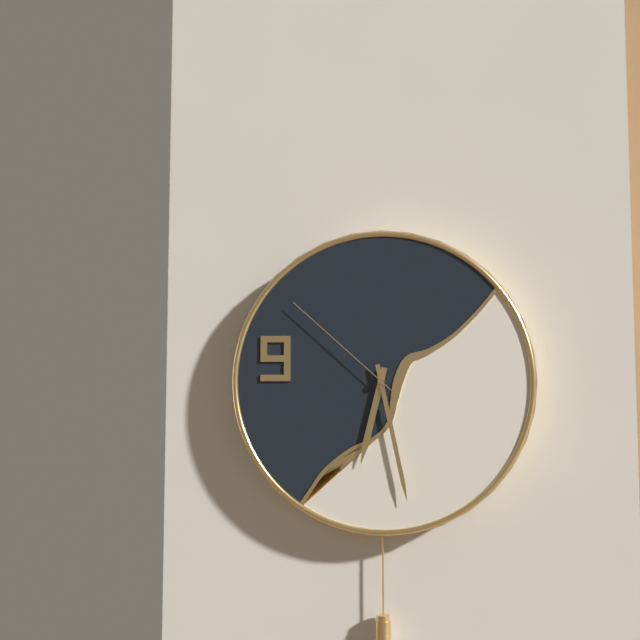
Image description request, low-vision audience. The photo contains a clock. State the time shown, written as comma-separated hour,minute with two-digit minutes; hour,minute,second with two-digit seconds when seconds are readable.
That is 6,28,52
